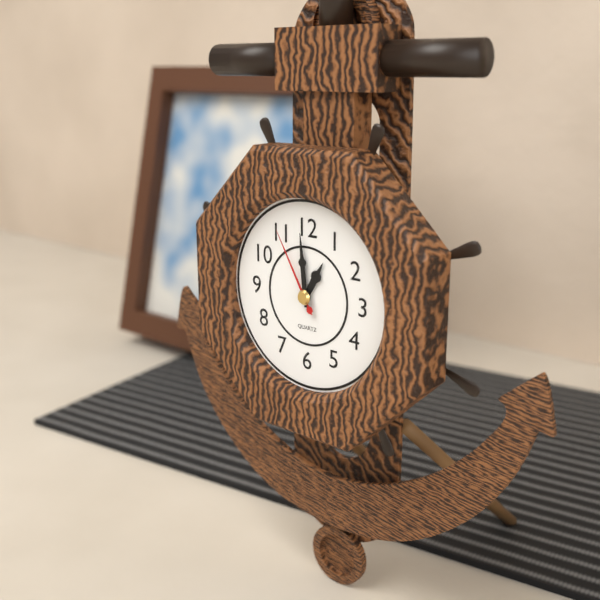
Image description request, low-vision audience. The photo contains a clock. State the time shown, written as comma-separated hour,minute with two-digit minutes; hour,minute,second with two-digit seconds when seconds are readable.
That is 12,59,55
